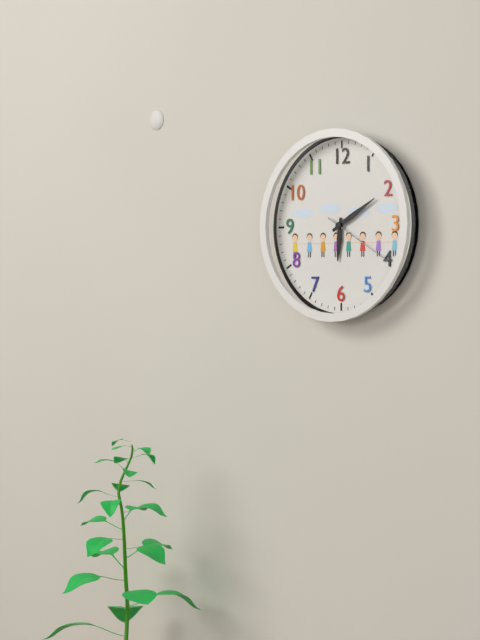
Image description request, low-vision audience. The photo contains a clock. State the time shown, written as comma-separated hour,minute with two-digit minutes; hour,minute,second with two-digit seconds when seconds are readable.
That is 6,10,20
